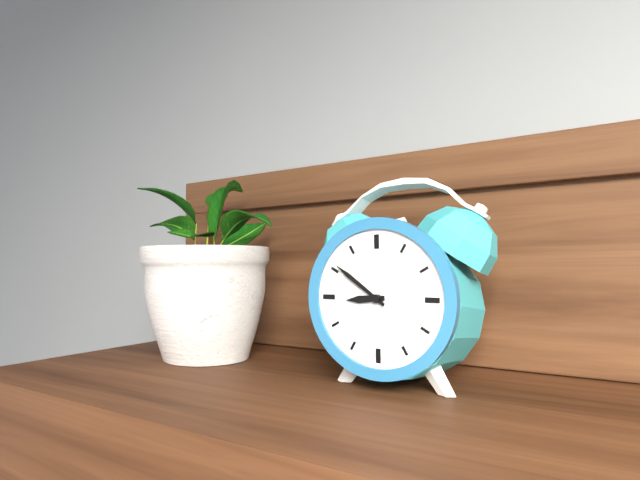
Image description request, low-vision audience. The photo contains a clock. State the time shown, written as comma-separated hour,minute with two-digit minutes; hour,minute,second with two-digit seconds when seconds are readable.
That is 8,51
